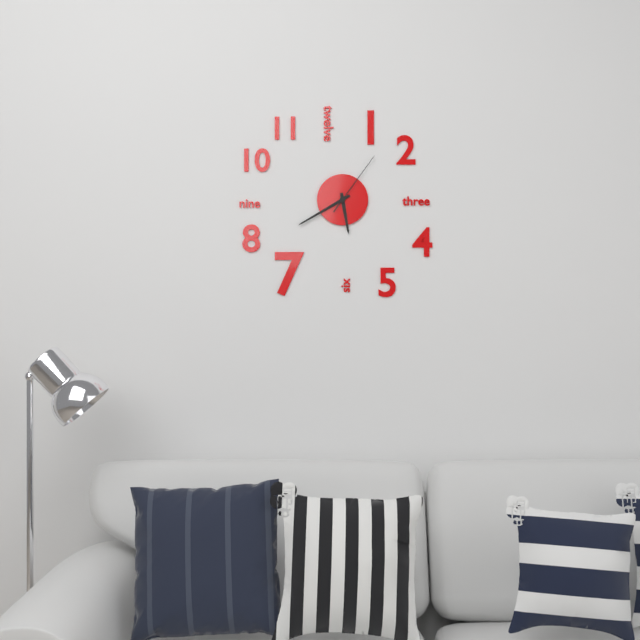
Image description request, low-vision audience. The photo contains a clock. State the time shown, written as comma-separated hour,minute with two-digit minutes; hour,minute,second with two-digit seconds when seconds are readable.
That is 5,40,06
